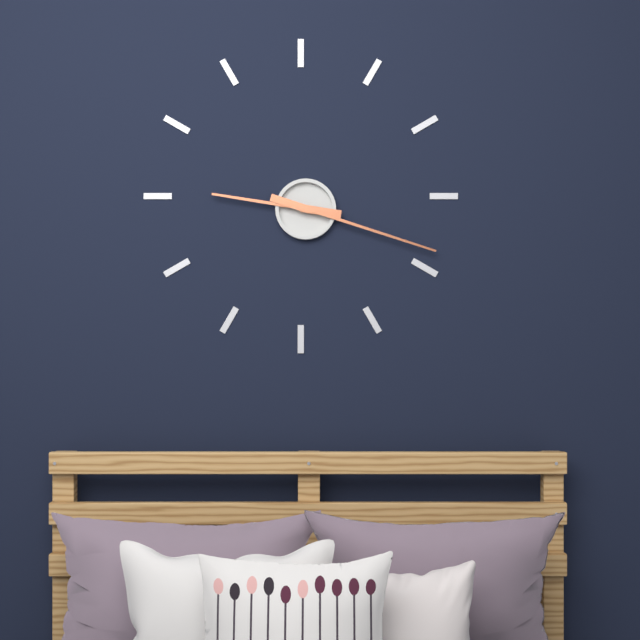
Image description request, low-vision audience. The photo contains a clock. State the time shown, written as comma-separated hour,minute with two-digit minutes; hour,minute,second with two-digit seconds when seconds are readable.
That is 9,18
